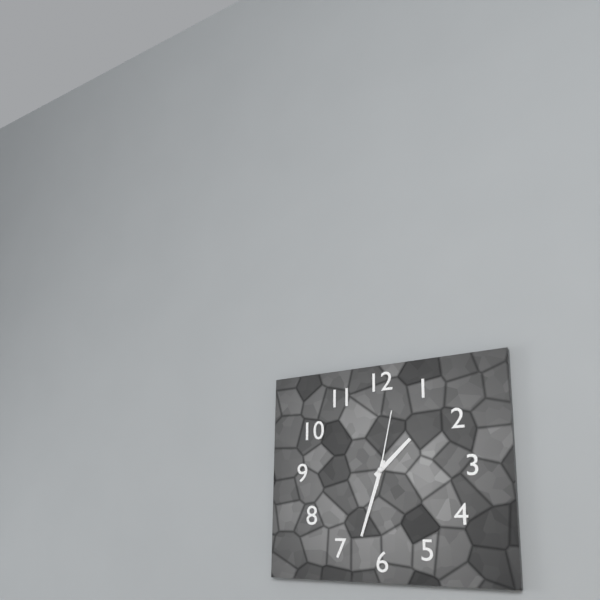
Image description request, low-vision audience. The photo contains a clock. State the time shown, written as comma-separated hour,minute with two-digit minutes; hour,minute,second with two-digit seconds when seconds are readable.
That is 1,33,02
